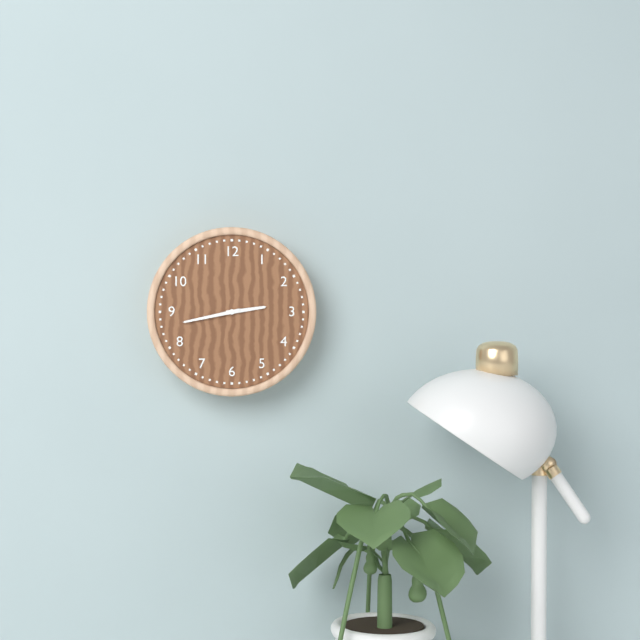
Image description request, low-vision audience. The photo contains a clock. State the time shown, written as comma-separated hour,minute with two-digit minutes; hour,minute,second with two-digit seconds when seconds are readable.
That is 2,43
